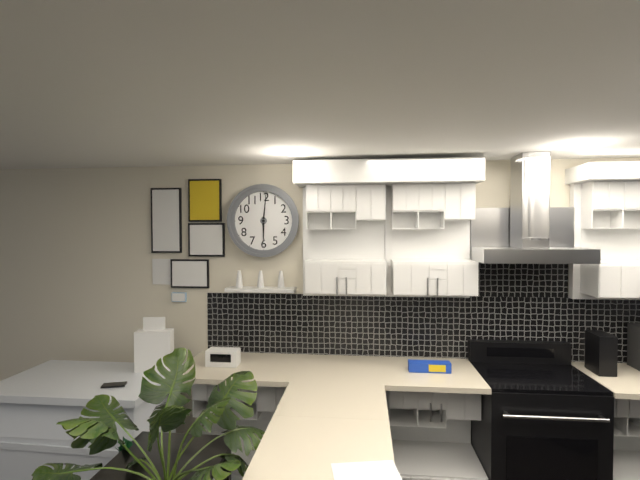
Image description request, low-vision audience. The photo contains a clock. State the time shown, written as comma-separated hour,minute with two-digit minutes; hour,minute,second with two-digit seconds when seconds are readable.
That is 6,01
